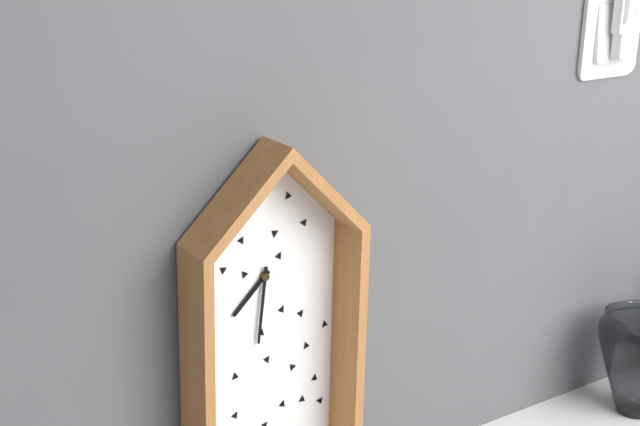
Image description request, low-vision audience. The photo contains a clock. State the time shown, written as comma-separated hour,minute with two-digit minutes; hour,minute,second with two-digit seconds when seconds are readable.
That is 7,31
